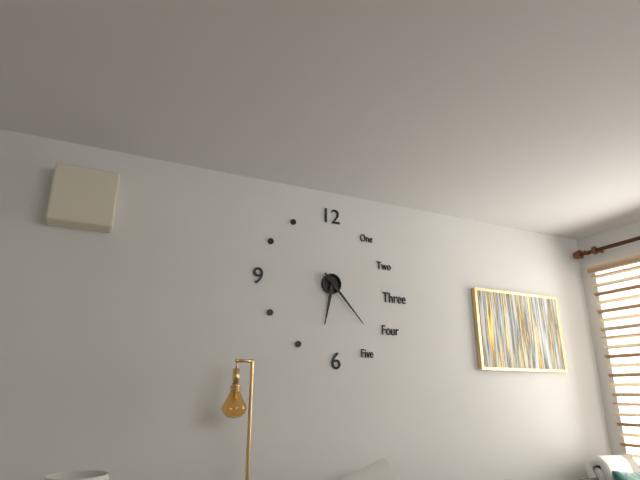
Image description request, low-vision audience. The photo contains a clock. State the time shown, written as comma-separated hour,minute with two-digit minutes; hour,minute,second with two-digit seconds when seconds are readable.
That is 6,23
